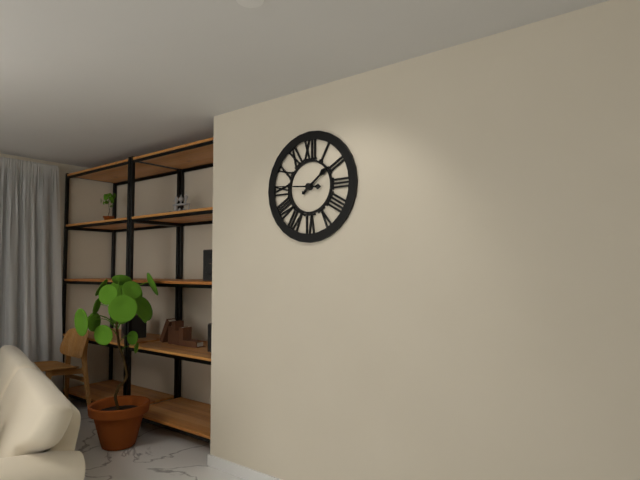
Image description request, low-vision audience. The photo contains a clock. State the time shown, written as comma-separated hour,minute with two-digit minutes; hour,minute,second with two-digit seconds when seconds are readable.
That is 1,46
